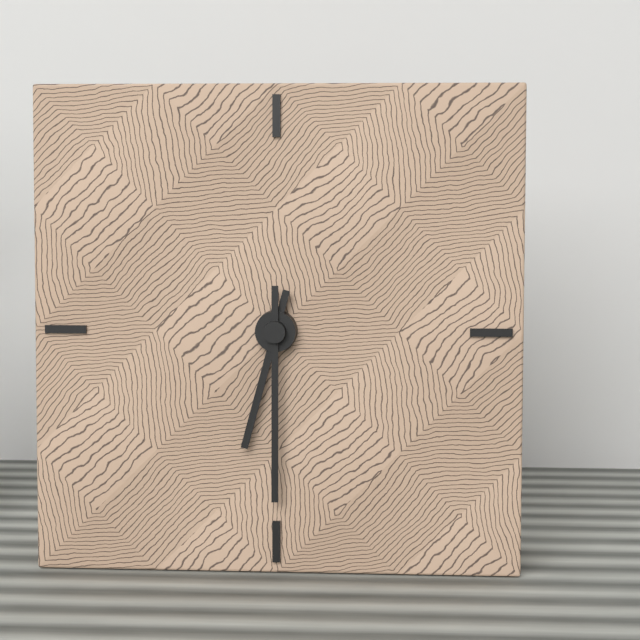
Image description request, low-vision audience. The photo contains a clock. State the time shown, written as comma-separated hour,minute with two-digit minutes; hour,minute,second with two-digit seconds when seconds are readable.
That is 6,30
